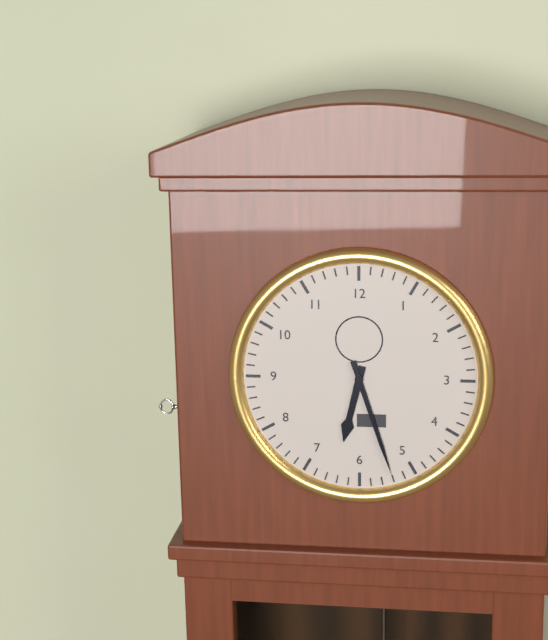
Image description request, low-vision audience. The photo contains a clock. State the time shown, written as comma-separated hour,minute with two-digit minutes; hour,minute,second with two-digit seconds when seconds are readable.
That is 6,27
